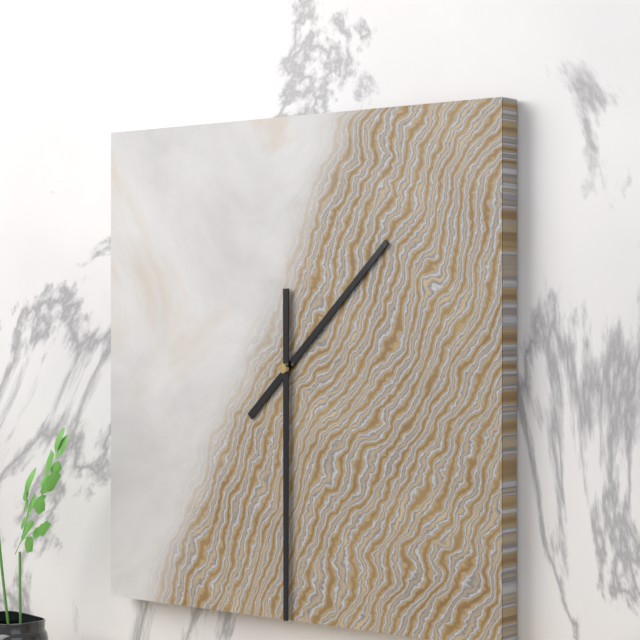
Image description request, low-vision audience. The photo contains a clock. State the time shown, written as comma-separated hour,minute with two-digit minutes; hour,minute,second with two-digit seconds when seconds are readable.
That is 1,30
